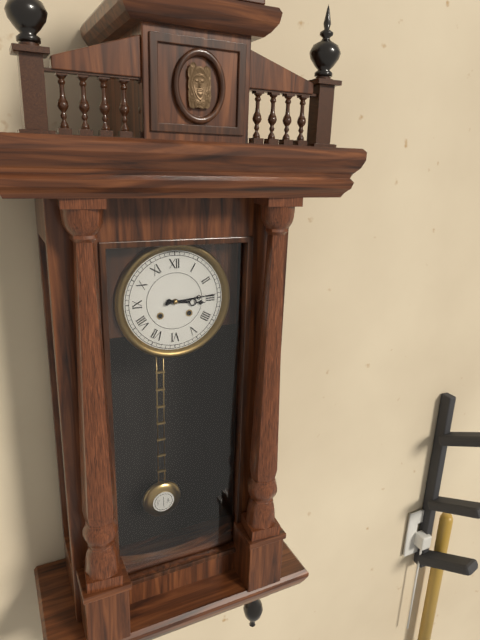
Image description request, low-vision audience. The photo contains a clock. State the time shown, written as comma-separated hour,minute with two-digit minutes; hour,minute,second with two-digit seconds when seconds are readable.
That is 3,14
